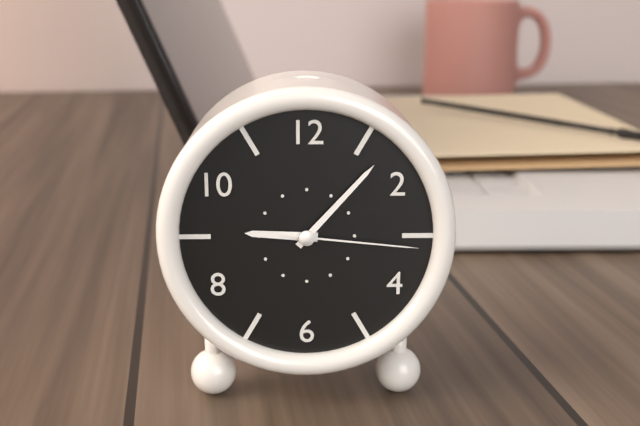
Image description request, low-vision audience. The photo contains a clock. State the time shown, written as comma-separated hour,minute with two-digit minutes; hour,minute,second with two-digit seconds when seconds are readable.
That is 9,07,16
